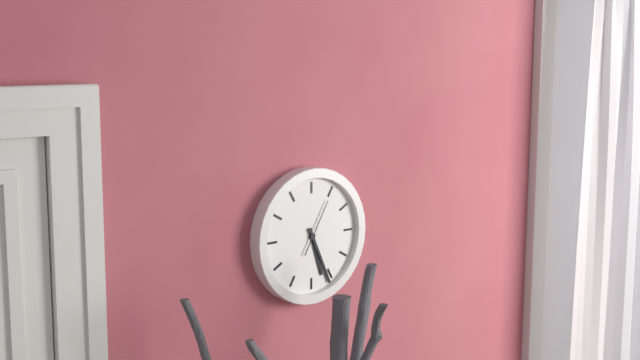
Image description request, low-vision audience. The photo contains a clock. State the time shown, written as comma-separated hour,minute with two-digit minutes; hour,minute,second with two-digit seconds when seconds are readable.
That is 5,26,05
